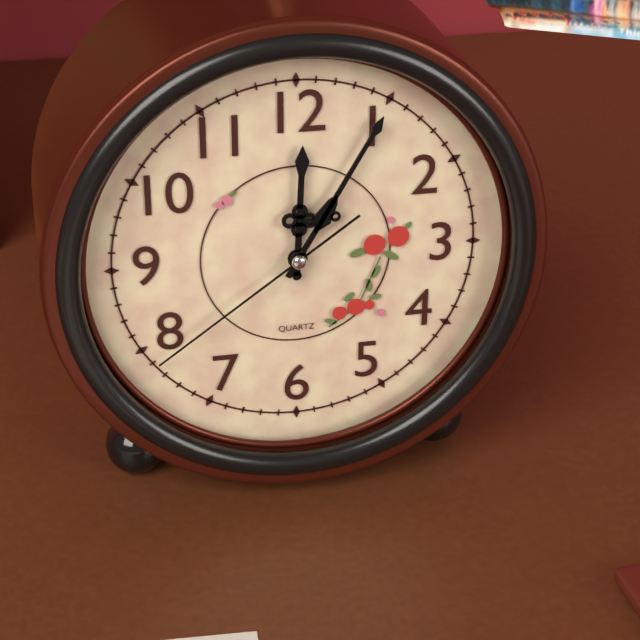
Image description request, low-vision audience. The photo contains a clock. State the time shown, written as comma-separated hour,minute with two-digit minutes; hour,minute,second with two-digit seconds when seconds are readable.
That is 12,05,39
